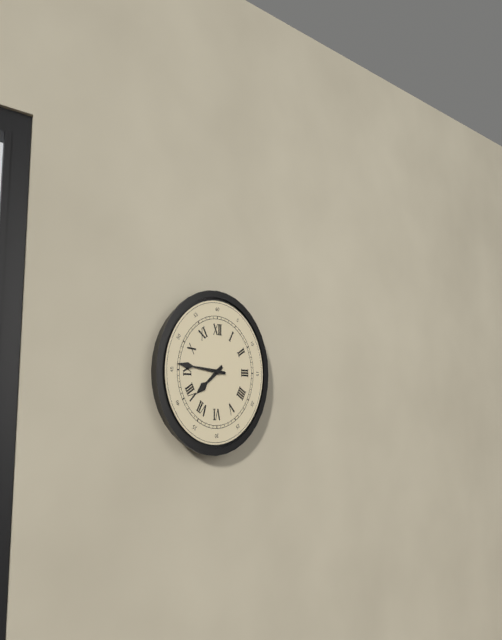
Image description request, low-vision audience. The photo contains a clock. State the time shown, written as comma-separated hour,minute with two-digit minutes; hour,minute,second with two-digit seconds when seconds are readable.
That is 7,46
